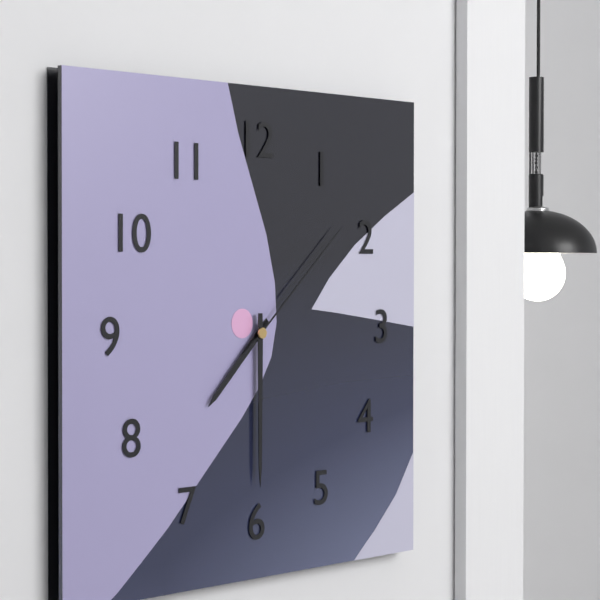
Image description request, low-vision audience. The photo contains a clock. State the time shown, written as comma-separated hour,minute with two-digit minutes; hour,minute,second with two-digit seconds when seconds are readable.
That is 7,30,08
